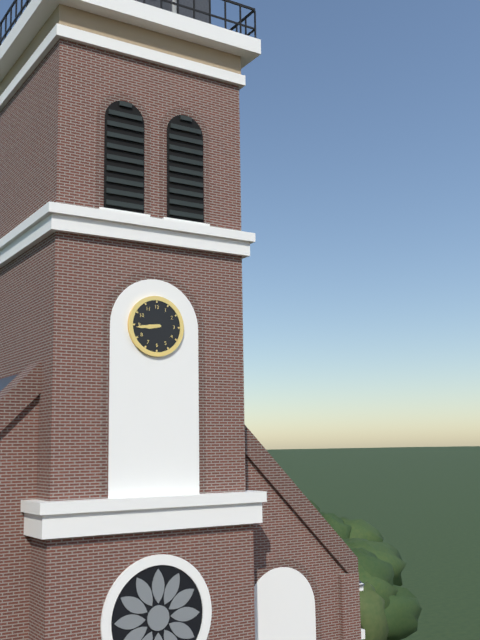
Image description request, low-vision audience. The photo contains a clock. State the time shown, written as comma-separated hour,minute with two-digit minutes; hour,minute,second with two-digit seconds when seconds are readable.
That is 8,44
